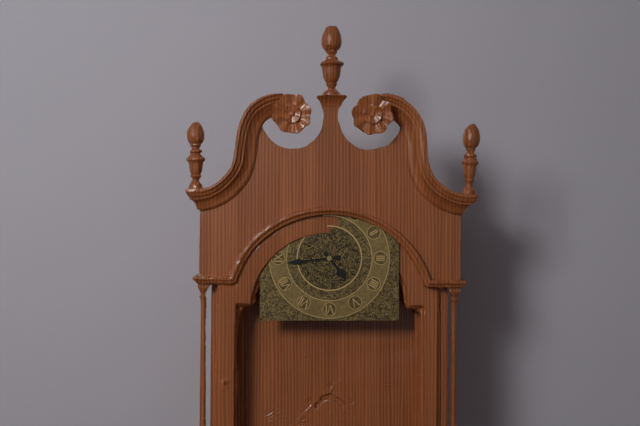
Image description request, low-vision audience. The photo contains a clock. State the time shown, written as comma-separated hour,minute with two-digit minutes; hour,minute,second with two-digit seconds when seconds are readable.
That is 4,44
